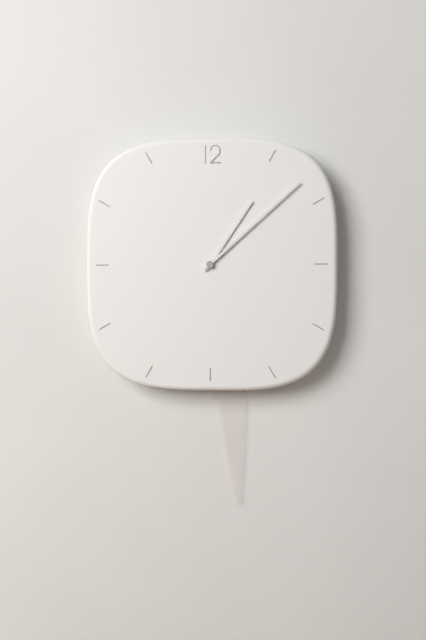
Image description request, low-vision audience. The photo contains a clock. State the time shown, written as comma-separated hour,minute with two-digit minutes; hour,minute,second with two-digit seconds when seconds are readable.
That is 1,08
